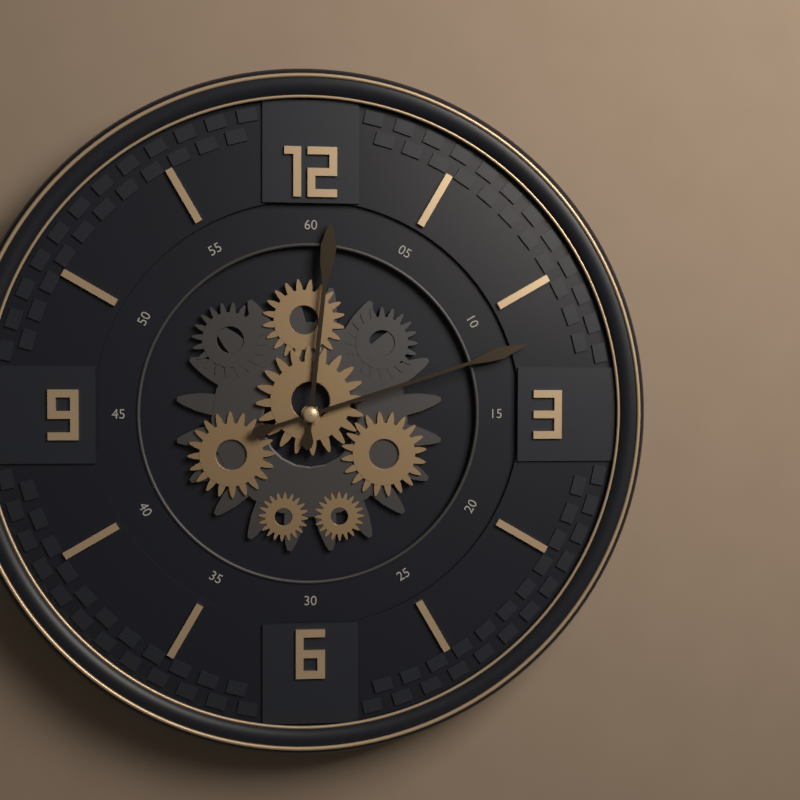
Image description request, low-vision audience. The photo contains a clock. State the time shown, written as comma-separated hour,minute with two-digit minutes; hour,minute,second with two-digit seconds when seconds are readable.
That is 12,12
